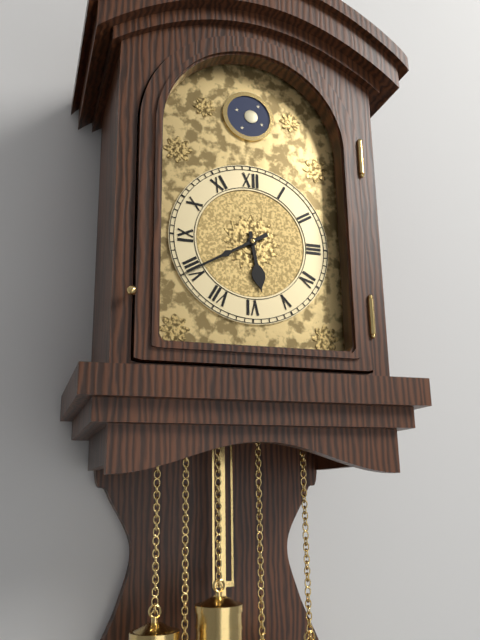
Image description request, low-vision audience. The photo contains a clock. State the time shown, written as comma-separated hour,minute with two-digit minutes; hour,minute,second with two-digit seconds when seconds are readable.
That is 5,40
